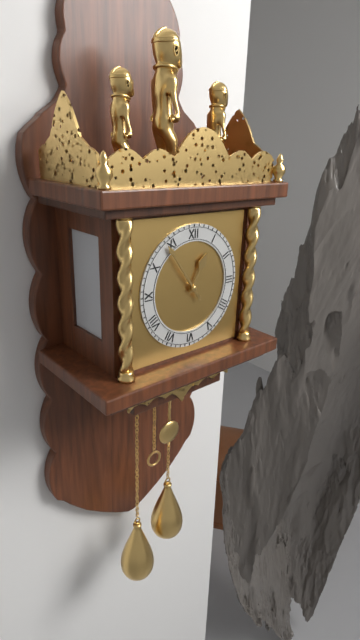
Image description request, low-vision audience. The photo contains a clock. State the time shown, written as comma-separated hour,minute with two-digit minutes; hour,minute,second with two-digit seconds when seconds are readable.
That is 12,54
